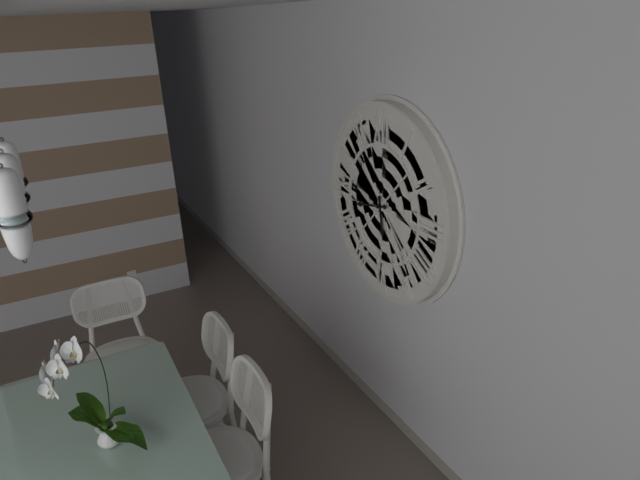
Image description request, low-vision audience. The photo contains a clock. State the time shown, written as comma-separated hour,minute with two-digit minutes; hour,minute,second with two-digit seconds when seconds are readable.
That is 5,43
